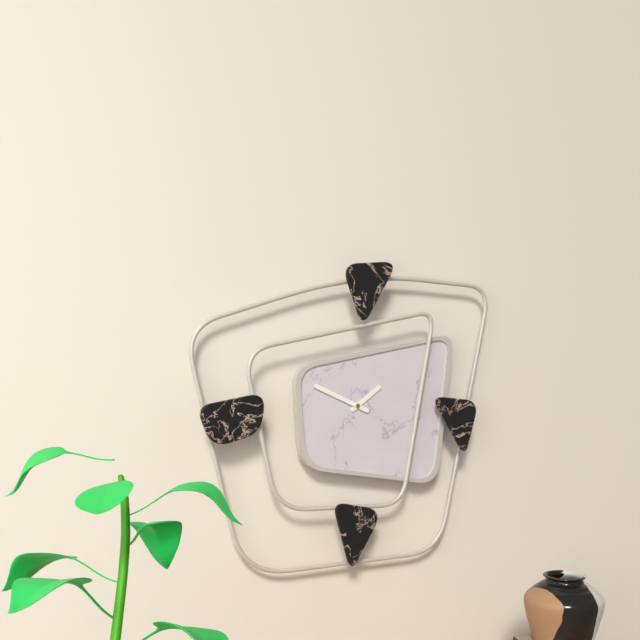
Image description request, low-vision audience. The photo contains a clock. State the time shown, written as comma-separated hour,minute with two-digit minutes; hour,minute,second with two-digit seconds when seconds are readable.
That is 1,49
